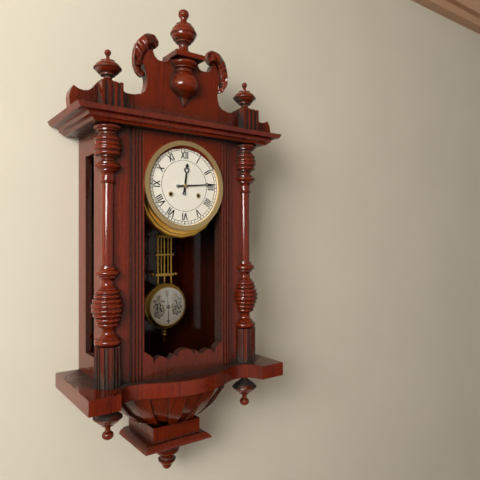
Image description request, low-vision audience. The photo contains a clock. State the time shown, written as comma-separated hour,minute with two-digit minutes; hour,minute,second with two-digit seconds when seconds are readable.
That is 12,14
